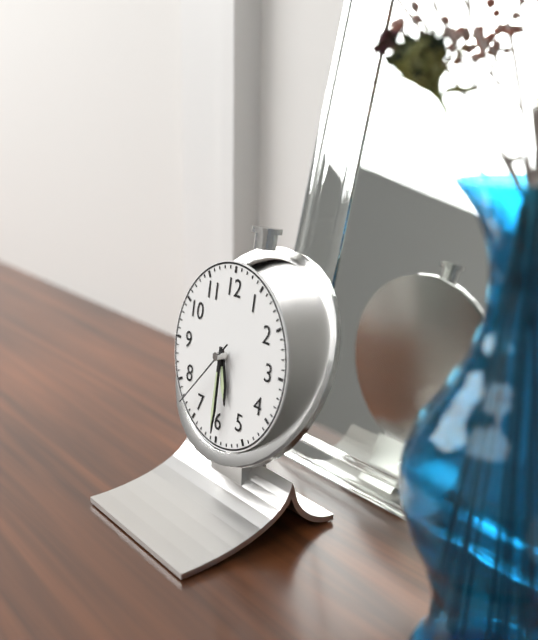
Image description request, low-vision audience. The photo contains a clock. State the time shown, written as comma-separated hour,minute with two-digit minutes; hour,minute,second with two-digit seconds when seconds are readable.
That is 5,30,37
